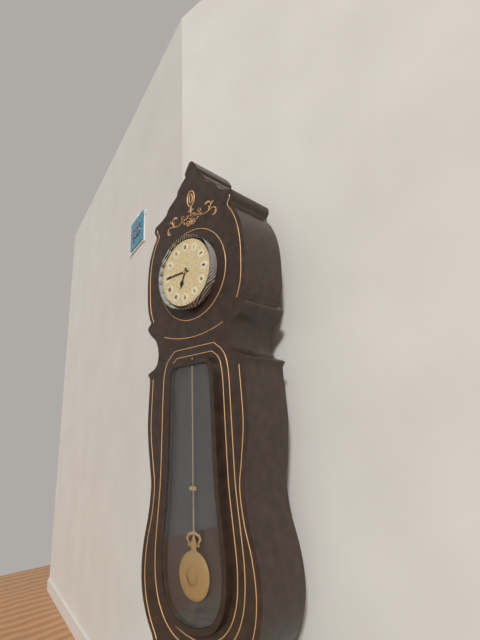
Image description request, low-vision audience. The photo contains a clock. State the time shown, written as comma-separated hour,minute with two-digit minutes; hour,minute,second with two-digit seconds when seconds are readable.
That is 6,45
